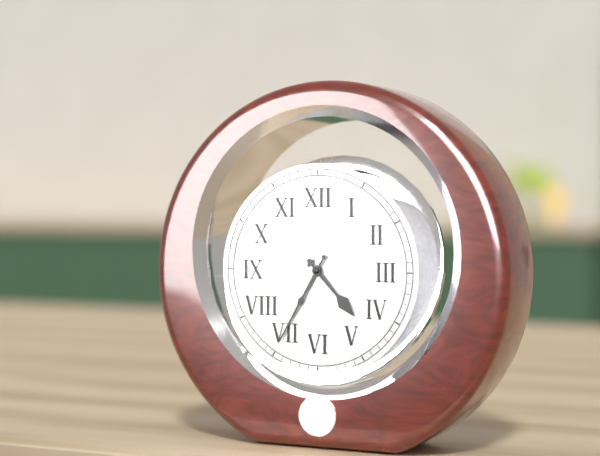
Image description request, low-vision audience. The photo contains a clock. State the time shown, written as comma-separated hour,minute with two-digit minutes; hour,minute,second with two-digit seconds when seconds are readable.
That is 4,35
